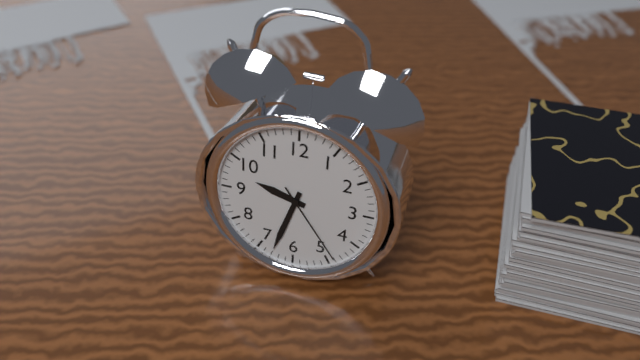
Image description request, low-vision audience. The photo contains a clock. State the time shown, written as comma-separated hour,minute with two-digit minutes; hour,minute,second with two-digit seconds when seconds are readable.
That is 9,33,24
